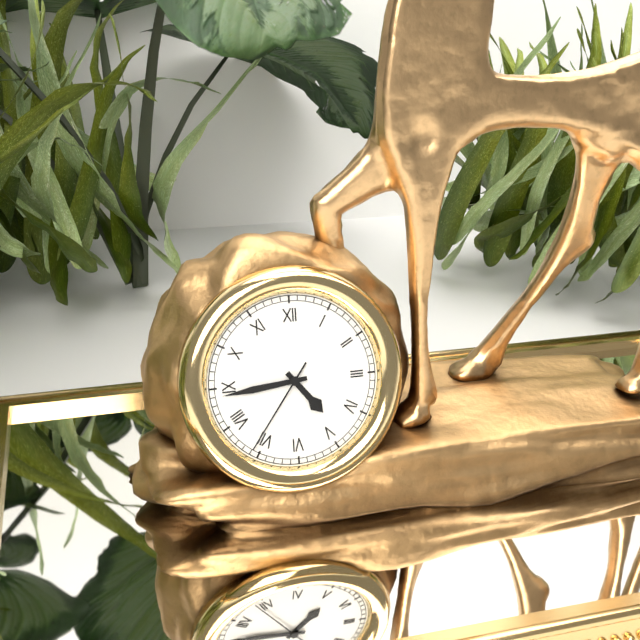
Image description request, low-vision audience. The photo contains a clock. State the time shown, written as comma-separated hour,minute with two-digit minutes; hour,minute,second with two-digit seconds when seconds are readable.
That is 4,44,36
